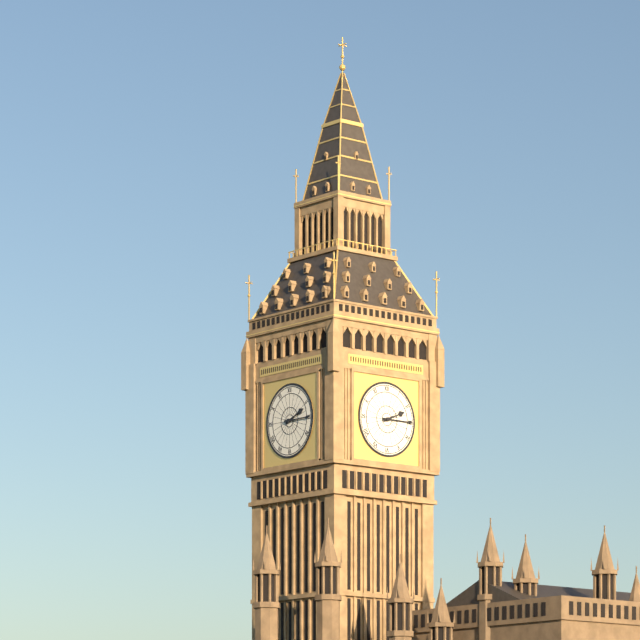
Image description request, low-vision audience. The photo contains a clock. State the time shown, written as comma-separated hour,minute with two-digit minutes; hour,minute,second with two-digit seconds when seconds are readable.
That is 2,15
